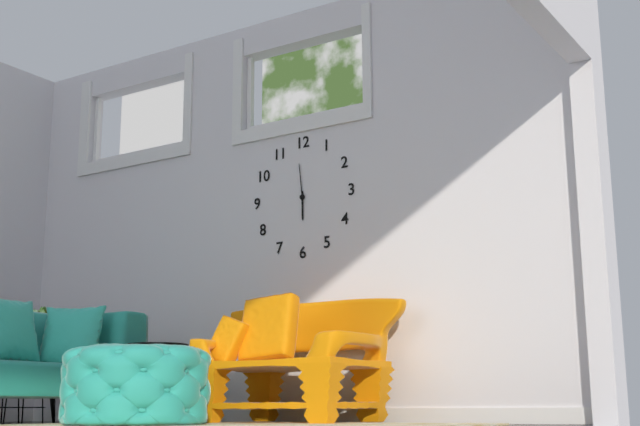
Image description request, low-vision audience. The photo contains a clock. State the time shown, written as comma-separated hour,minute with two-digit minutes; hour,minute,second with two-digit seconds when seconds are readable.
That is 5,59
